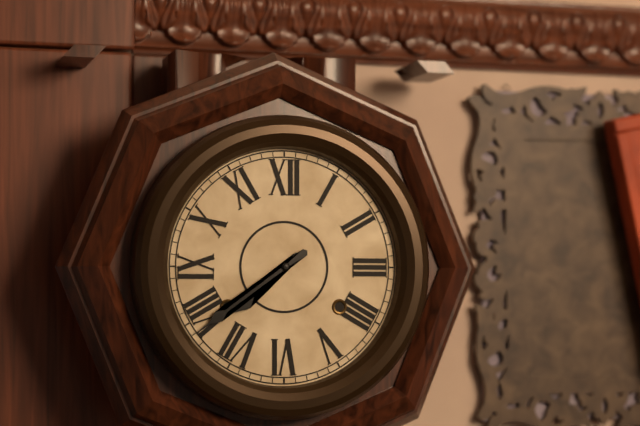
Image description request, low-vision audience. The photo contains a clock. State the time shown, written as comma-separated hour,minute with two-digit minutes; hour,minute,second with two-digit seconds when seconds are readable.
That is 7,39
